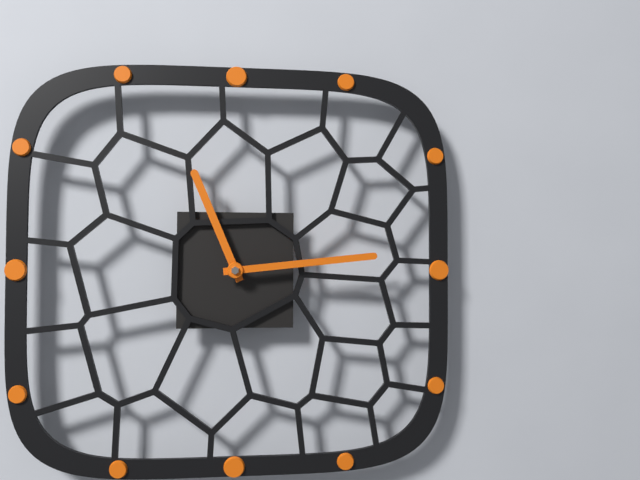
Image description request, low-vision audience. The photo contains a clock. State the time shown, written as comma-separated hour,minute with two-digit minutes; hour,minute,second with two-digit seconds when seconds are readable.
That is 11,14
